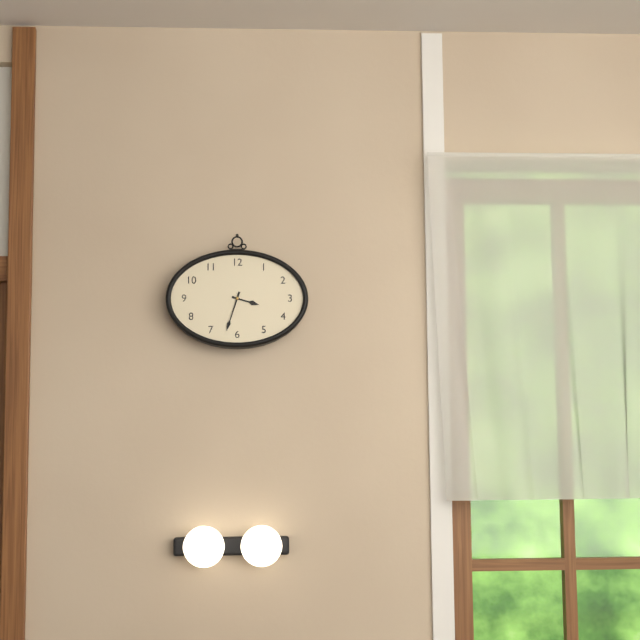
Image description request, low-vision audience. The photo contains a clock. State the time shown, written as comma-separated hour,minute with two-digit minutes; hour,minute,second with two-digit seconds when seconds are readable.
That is 3,33
